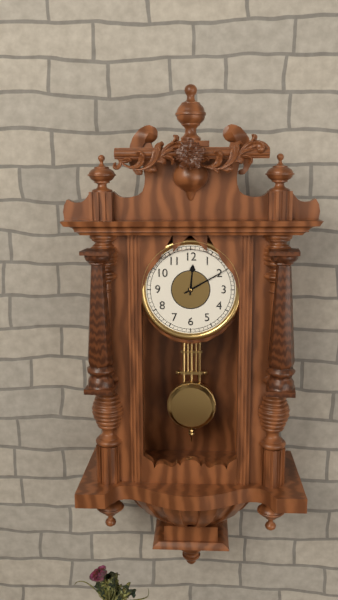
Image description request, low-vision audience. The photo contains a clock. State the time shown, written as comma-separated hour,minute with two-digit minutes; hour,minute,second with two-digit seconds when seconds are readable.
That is 12,10
